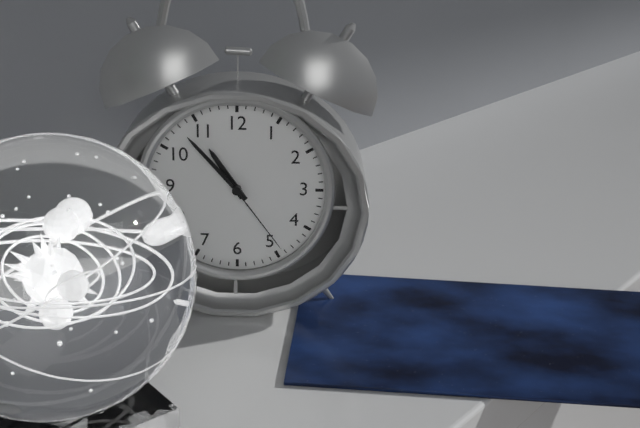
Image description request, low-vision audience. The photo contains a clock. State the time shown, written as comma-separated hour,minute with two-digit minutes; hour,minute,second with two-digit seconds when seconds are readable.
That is 10,53,24
